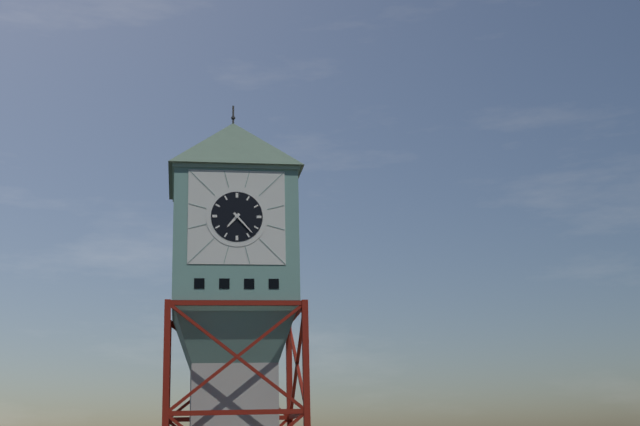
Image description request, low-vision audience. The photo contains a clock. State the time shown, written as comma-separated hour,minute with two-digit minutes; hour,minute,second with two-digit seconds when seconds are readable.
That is 7,23
